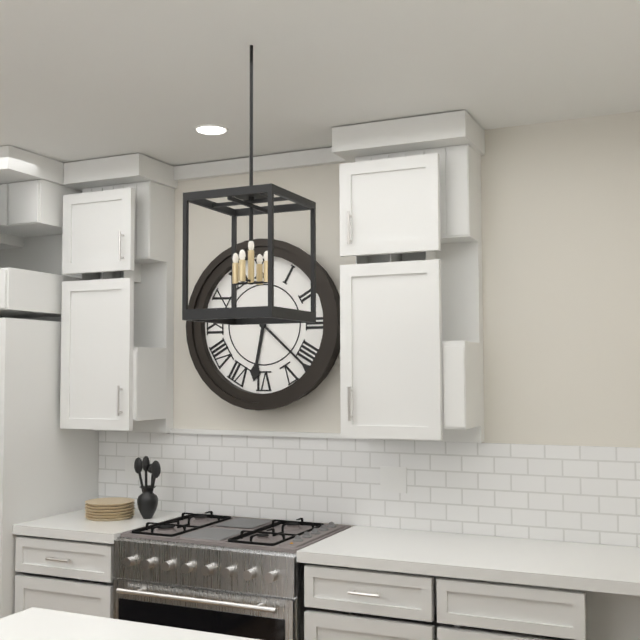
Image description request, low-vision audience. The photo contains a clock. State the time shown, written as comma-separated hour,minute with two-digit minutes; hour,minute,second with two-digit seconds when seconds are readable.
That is 6,22
